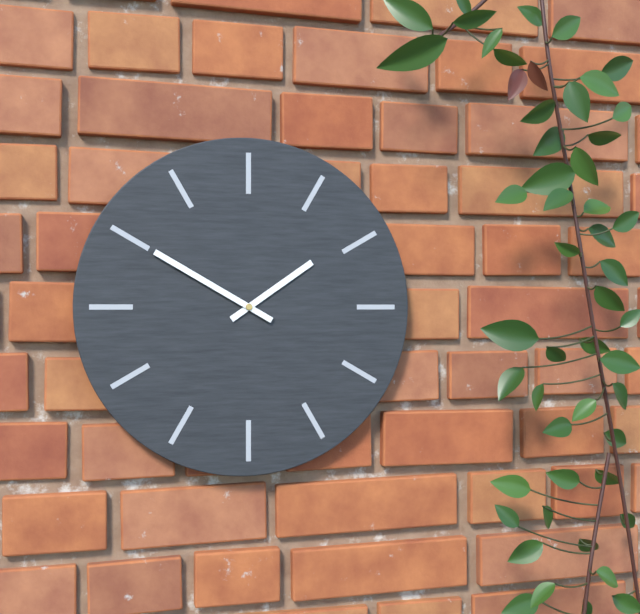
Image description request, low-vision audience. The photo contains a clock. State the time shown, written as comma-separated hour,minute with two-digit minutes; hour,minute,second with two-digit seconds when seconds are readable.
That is 1,50
